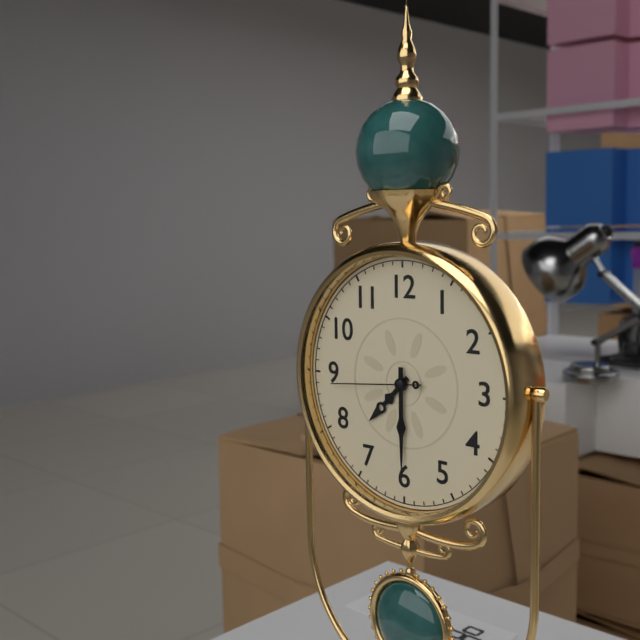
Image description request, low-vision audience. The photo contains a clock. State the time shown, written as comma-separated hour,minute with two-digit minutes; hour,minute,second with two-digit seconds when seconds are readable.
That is 7,30,44
